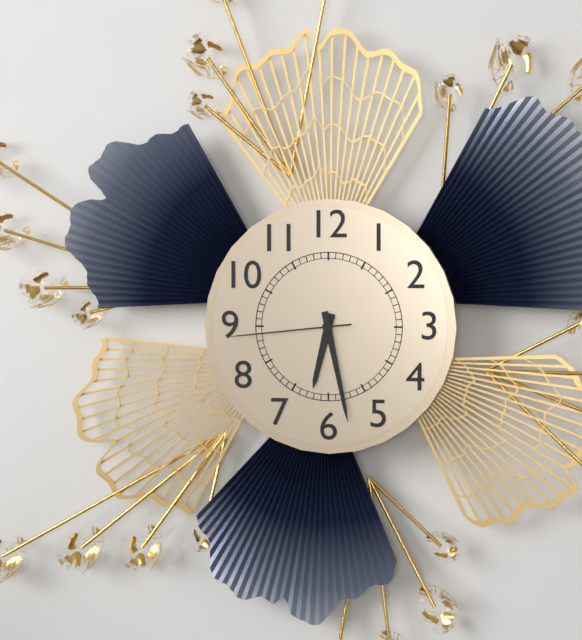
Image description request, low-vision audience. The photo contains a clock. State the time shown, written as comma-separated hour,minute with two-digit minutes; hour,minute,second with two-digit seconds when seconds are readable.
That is 6,28,44
